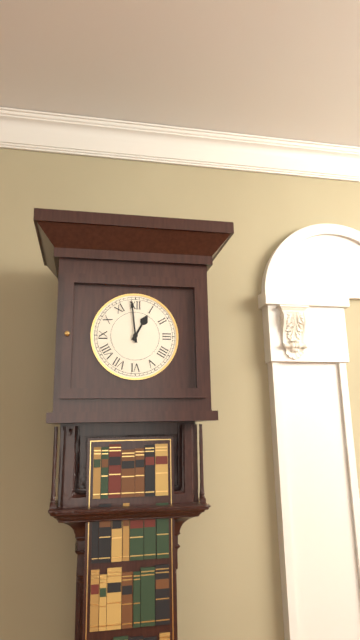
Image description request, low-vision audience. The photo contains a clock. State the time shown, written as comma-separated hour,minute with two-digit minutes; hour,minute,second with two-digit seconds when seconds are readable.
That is 12,59
